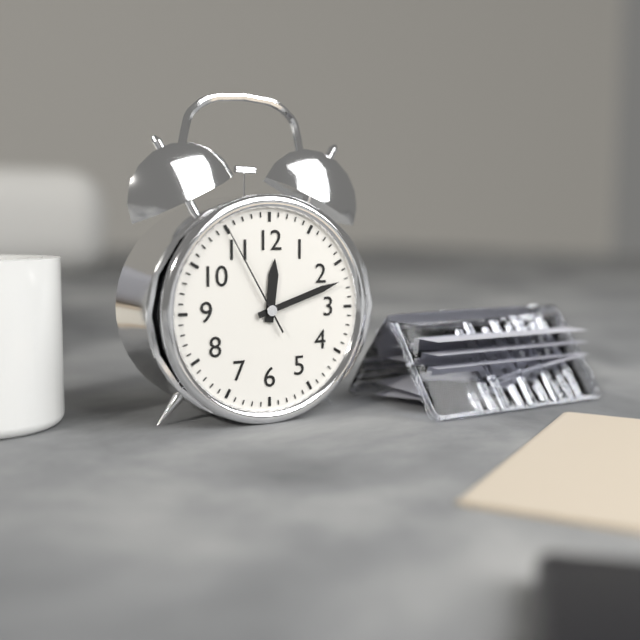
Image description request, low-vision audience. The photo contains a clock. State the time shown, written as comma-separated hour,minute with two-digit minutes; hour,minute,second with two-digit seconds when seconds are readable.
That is 12,12,55
